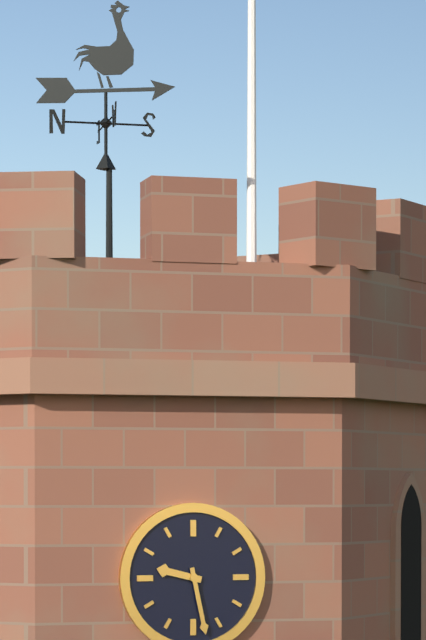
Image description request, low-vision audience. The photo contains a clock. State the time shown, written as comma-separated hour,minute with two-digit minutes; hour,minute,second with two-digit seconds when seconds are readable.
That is 9,28
